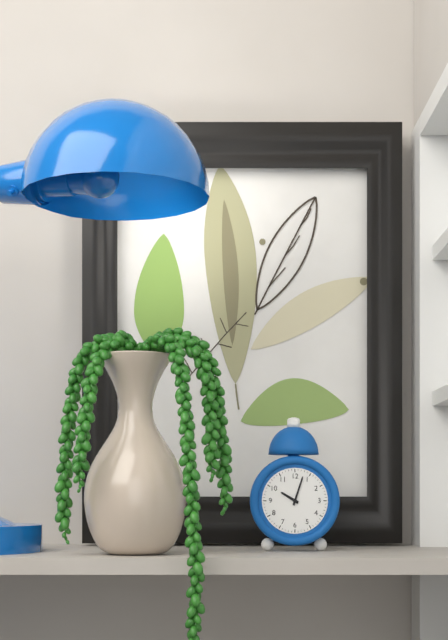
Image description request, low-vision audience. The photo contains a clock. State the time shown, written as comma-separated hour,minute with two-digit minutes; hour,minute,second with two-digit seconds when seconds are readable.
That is 10,03
